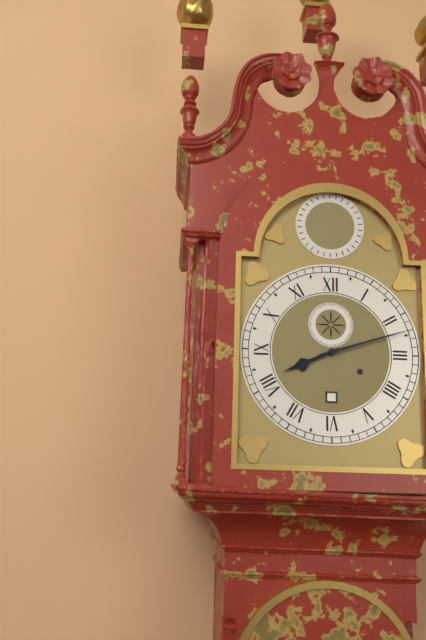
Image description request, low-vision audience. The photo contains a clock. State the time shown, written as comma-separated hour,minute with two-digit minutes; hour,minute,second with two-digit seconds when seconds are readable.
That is 8,12
